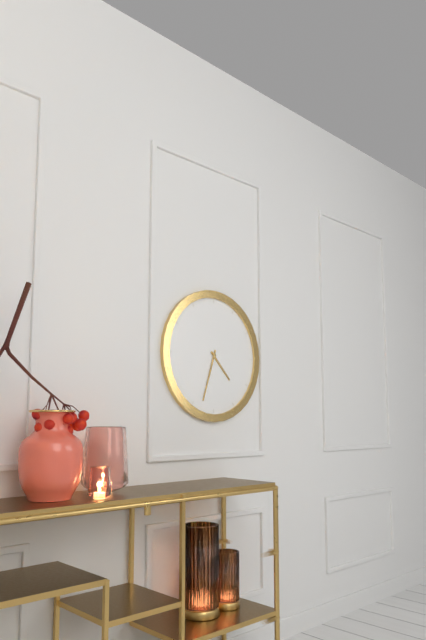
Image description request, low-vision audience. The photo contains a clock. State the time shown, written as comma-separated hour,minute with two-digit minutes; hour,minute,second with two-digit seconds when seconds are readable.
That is 4,33
